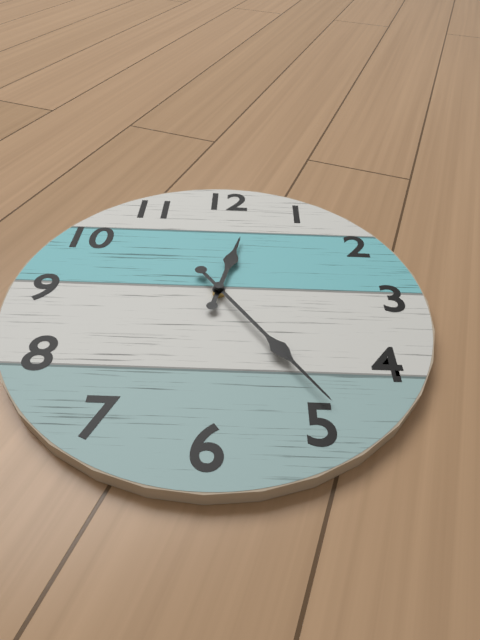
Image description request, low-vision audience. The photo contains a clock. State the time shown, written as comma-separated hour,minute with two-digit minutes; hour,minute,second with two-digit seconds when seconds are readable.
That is 12,24
